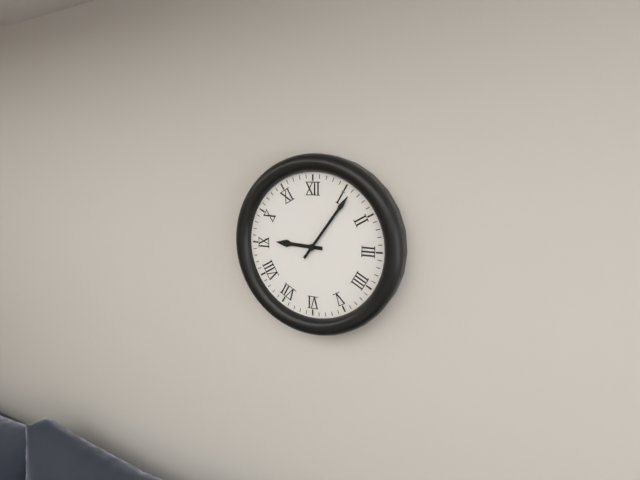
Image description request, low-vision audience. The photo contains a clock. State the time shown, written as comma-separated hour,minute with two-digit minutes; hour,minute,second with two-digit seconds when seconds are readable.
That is 9,06
